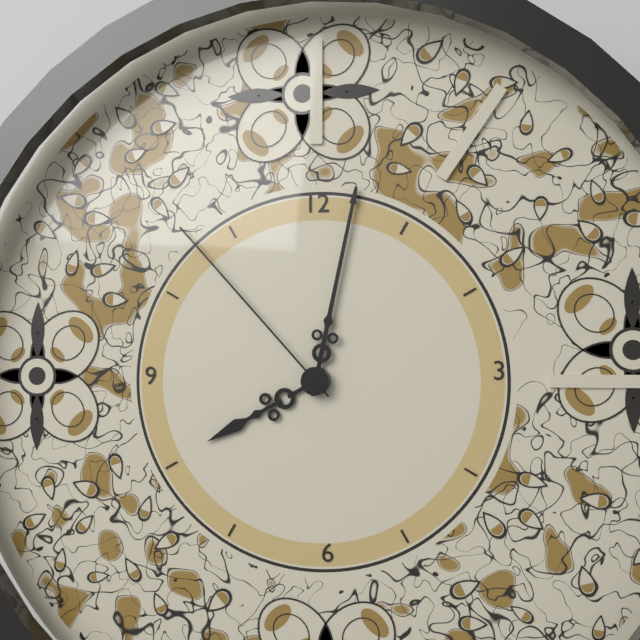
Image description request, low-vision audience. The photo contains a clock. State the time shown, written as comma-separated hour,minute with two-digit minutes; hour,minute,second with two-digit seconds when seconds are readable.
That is 8,02,53
